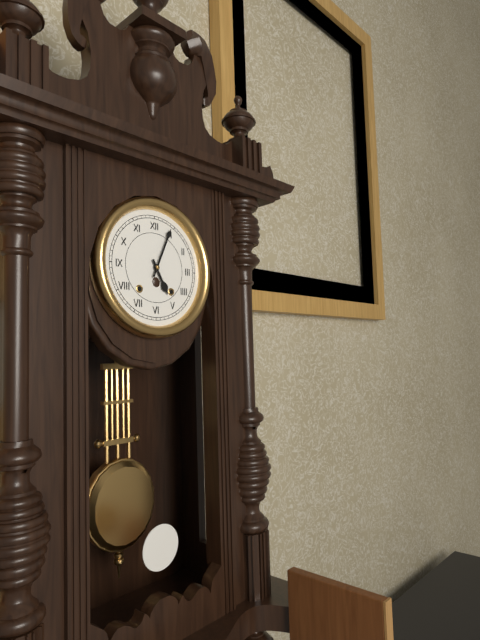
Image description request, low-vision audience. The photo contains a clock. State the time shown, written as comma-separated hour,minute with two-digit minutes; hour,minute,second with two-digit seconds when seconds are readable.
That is 5,04
